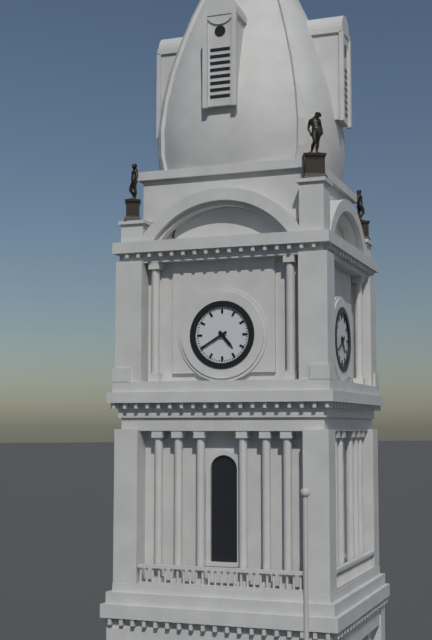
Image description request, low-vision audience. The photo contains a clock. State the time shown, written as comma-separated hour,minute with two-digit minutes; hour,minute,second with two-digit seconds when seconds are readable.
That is 4,40
